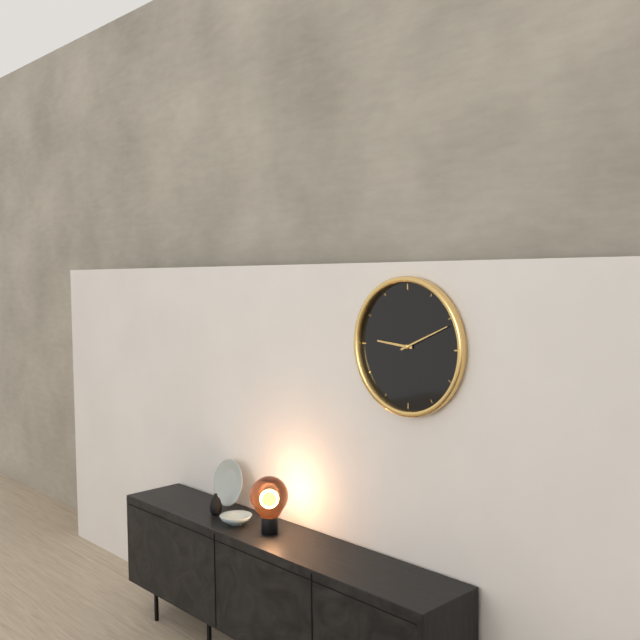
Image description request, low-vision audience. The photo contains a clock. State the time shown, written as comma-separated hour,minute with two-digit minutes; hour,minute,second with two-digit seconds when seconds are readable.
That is 9,11
